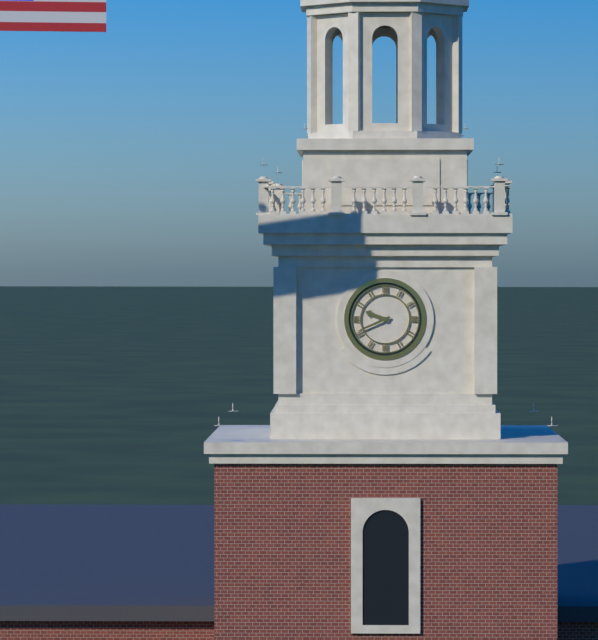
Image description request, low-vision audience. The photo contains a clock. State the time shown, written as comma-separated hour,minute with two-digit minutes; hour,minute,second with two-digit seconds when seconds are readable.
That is 9,41
